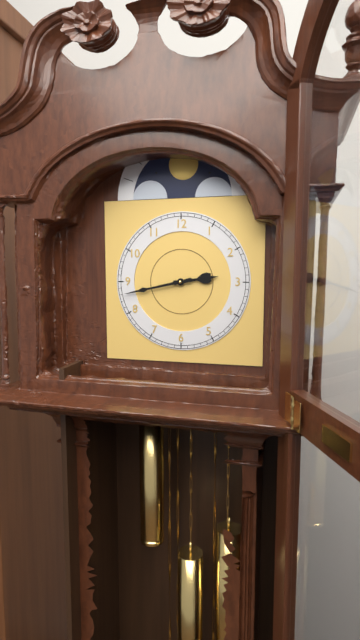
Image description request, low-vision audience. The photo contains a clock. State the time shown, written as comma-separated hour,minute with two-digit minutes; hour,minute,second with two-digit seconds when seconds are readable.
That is 2,43
